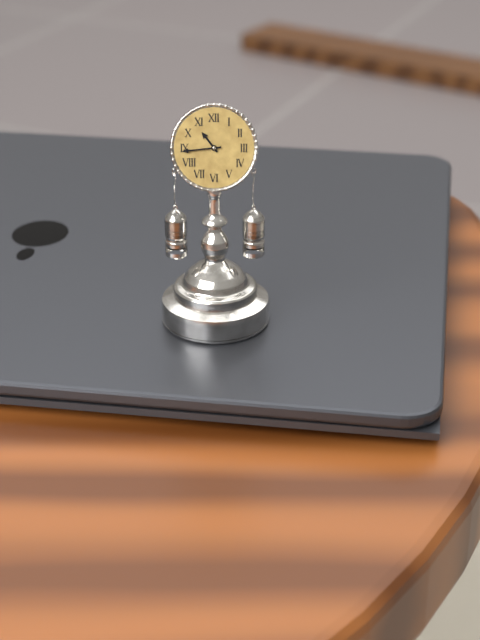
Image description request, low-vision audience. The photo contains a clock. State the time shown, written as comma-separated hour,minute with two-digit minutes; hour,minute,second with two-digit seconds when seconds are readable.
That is 10,44
